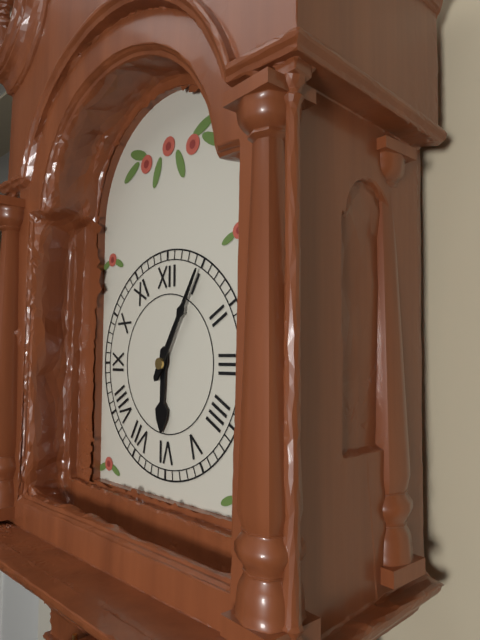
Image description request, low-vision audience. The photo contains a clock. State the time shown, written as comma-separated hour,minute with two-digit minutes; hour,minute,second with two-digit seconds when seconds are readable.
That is 6,05
